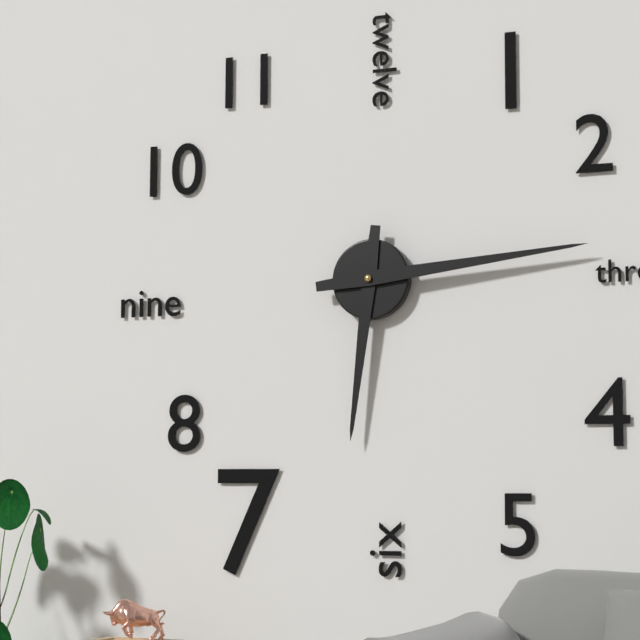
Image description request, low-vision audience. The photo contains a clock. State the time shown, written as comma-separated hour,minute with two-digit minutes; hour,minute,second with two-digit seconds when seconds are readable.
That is 6,14
